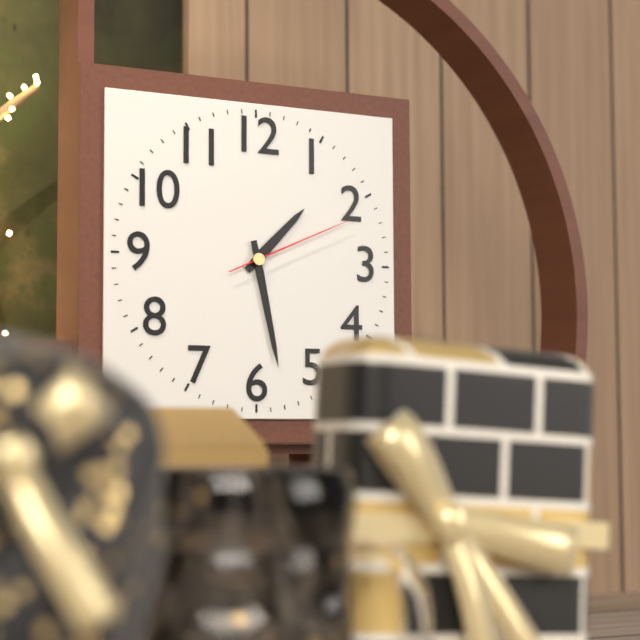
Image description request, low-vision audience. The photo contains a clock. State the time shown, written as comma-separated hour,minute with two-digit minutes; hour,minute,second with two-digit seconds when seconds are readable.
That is 1,28,11
